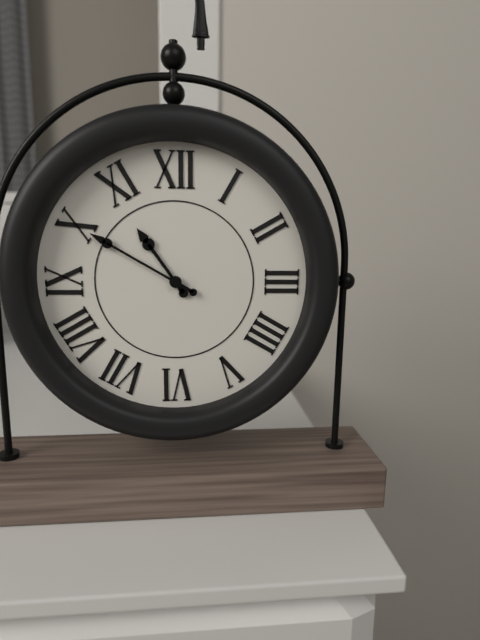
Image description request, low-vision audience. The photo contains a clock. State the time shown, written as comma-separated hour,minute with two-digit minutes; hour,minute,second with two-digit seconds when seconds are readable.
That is 10,50
